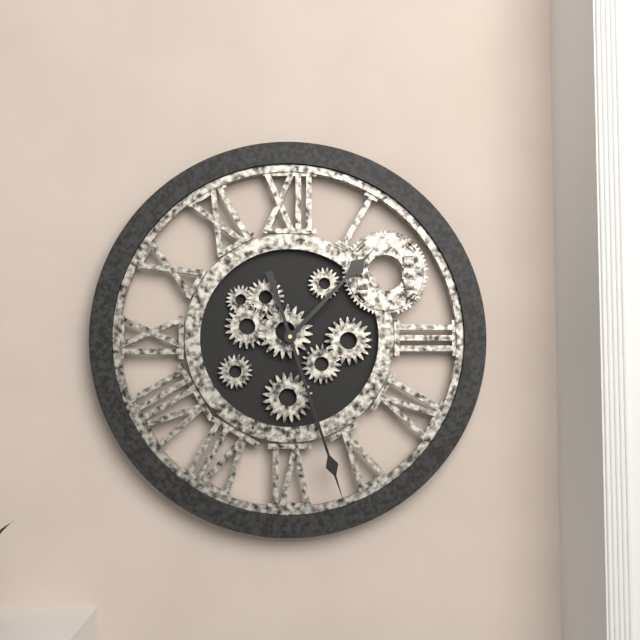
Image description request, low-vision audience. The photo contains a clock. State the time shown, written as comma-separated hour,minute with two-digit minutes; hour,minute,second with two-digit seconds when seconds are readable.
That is 1,27
